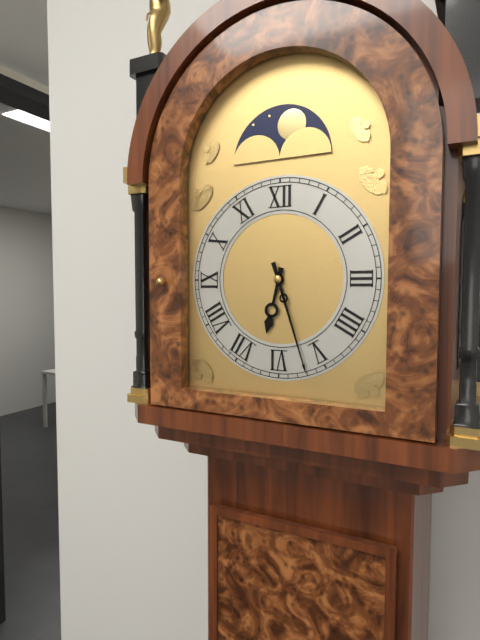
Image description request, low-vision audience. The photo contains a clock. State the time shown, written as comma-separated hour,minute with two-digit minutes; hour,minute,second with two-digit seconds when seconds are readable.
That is 6,27
